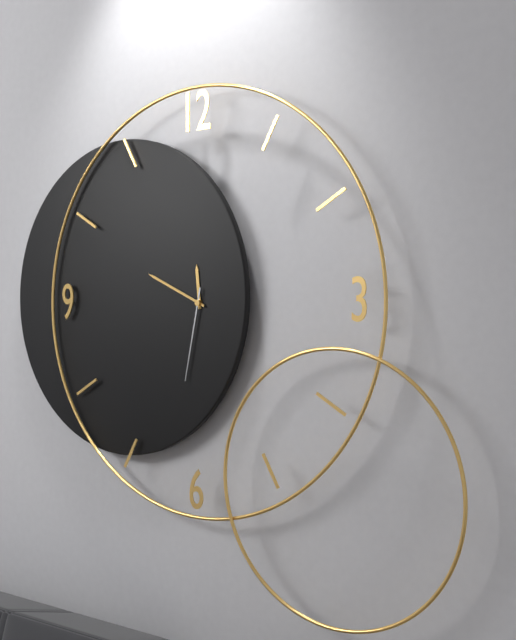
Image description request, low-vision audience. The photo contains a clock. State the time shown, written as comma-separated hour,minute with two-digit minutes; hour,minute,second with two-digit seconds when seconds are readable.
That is 11,49,32
